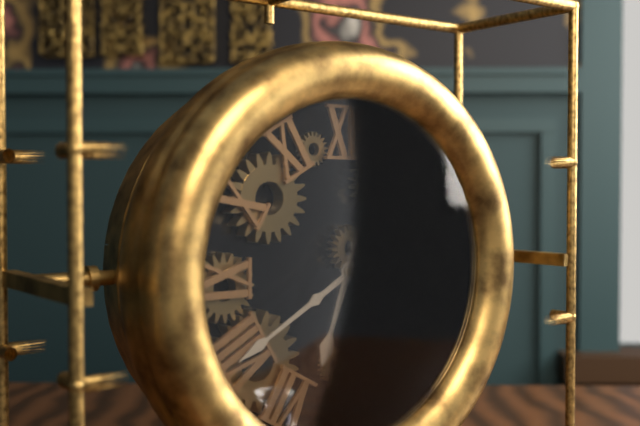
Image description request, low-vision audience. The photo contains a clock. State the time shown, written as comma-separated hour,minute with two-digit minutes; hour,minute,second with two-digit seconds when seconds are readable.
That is 6,40
